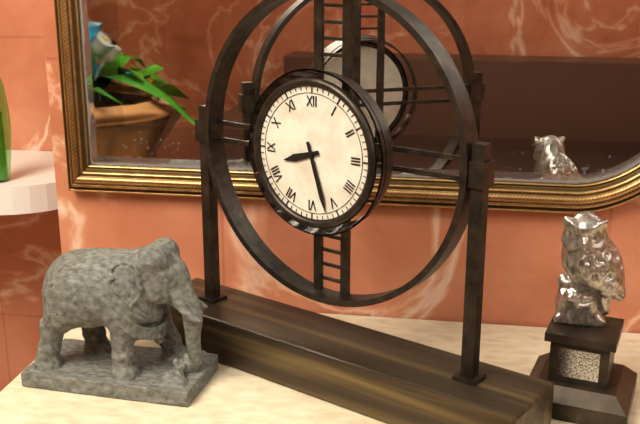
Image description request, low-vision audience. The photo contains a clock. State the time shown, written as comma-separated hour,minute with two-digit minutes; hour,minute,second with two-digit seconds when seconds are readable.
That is 8,27
